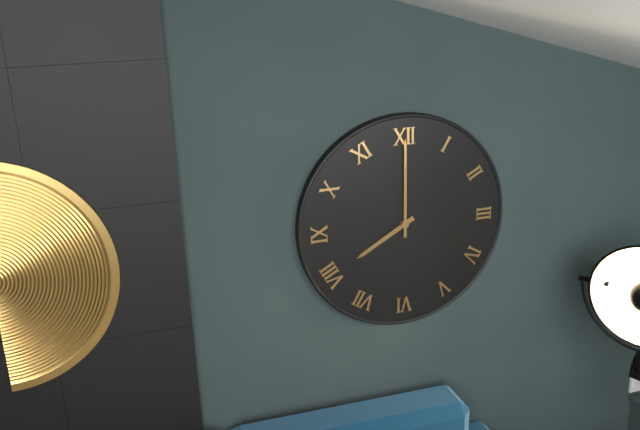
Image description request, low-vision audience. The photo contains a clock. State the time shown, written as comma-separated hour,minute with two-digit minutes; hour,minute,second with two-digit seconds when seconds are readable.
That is 8,00
